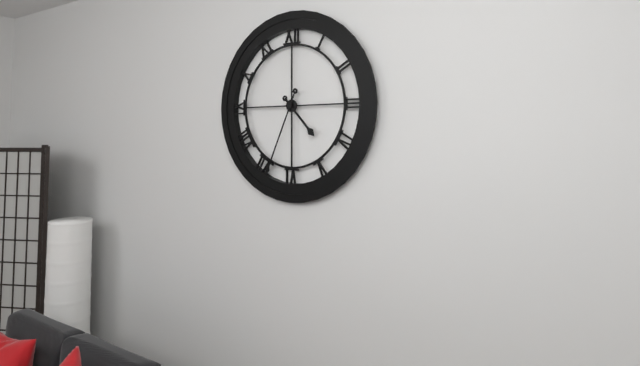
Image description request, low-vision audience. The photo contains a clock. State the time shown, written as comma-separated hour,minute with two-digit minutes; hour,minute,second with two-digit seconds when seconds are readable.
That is 4,34
